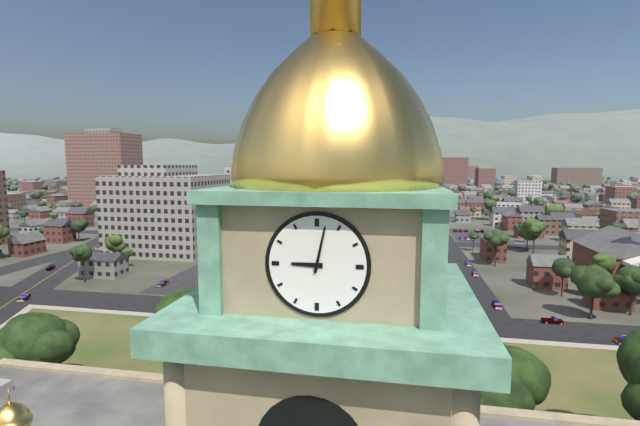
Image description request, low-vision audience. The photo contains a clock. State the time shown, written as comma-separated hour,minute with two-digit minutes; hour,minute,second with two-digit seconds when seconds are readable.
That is 9,02
